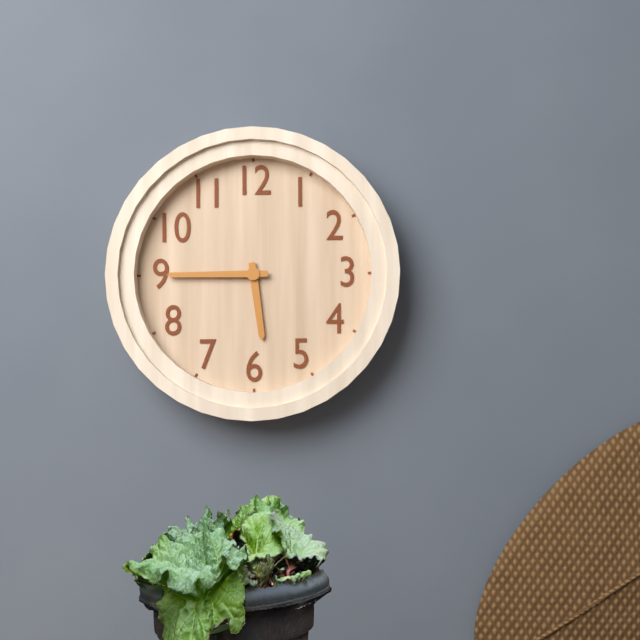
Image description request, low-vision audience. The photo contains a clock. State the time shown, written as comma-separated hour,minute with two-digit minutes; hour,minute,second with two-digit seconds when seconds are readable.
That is 5,45
